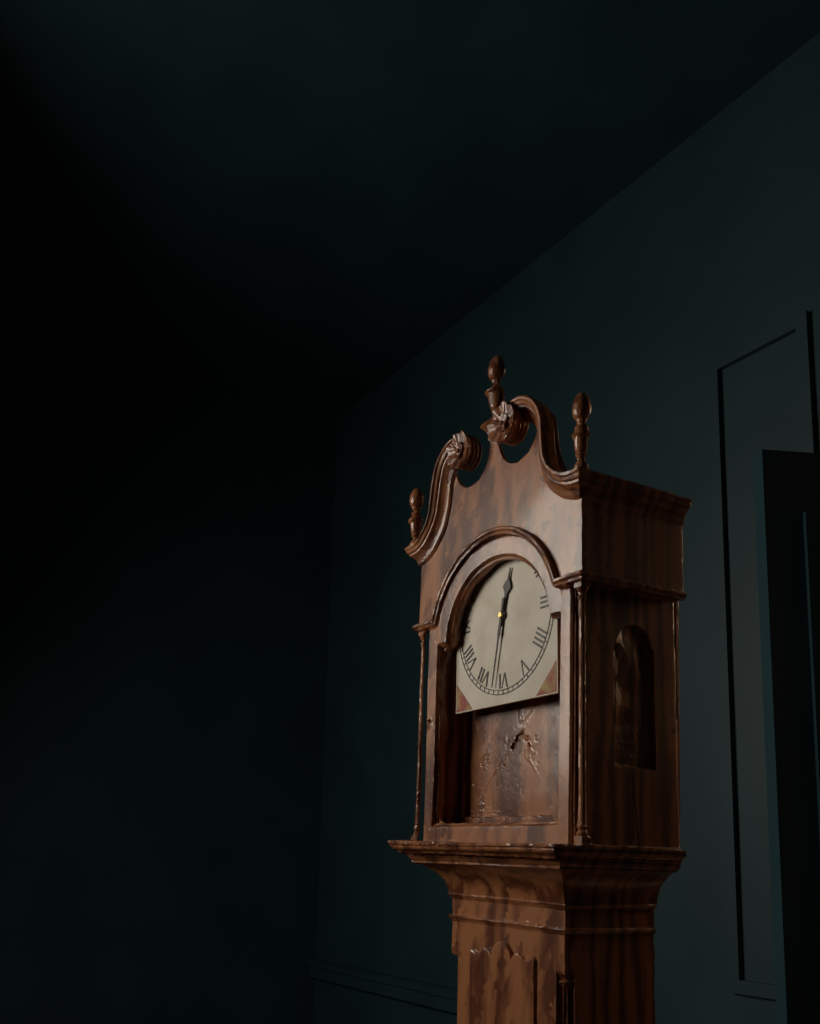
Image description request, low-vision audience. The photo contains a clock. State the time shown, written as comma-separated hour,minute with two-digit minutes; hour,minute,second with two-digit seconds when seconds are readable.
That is 12,32
